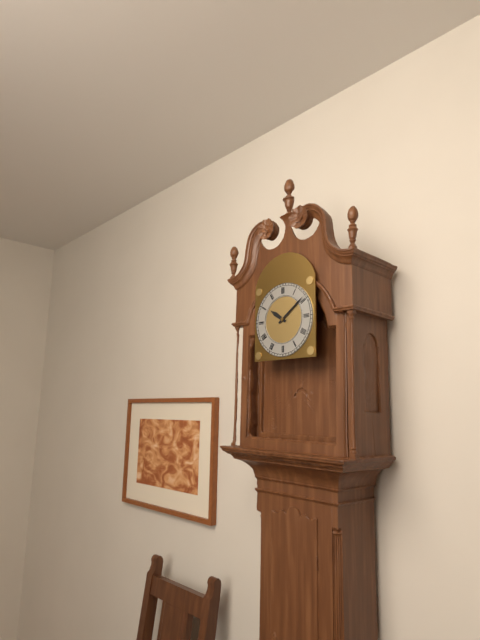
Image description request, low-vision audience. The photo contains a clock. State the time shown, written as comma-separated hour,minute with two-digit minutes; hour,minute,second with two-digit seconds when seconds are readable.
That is 10,09
